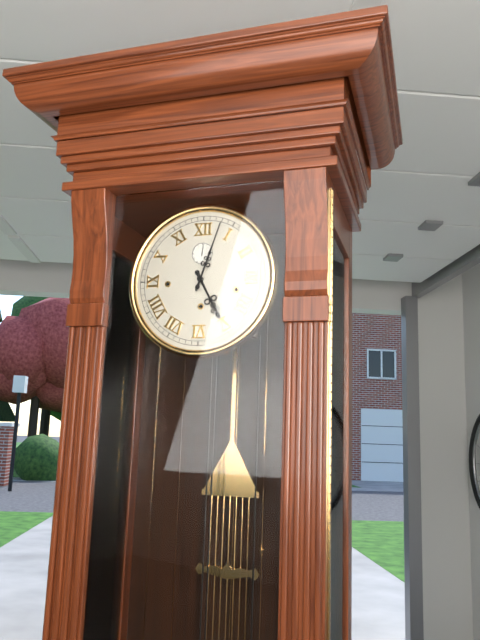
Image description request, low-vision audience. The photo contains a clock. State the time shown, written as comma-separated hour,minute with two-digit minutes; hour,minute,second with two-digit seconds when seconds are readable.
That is 5,03
